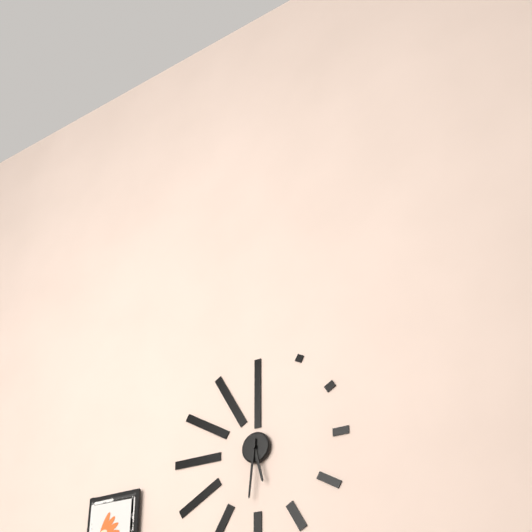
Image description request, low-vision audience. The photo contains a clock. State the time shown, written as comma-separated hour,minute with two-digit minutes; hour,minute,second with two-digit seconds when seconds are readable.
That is 5,31
